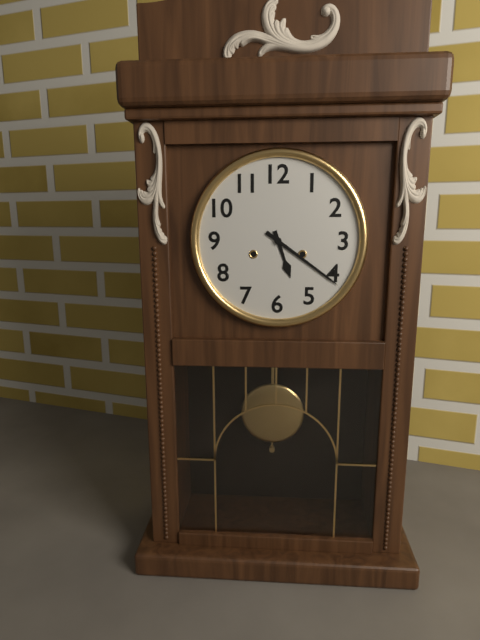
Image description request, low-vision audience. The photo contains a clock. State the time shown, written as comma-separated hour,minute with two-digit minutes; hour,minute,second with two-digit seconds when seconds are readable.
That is 5,21
